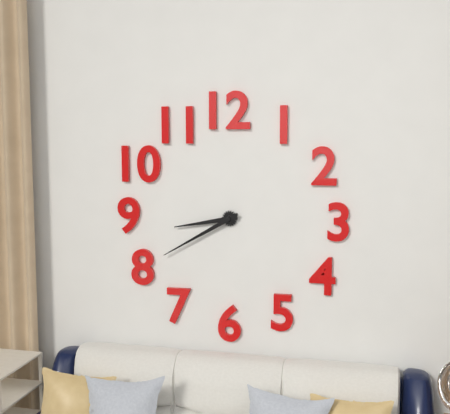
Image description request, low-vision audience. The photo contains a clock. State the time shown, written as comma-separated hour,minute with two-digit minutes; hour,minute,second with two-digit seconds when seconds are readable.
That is 8,40
